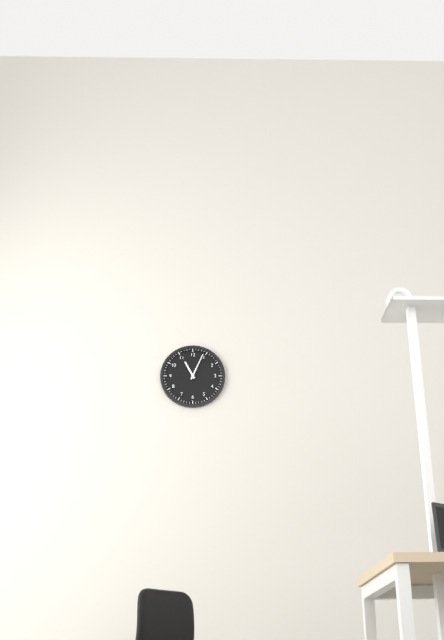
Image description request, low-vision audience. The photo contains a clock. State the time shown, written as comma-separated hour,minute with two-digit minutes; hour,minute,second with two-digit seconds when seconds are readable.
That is 11,04
